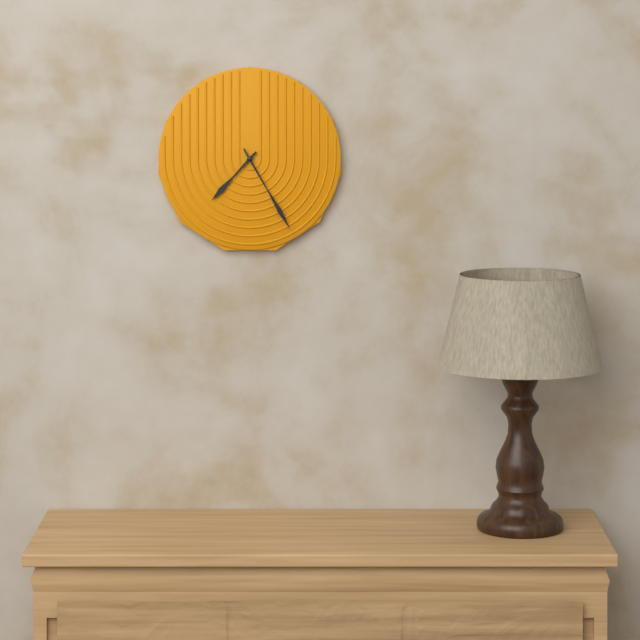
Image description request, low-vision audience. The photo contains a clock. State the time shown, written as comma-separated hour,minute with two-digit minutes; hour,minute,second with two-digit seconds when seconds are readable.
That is 7,25
